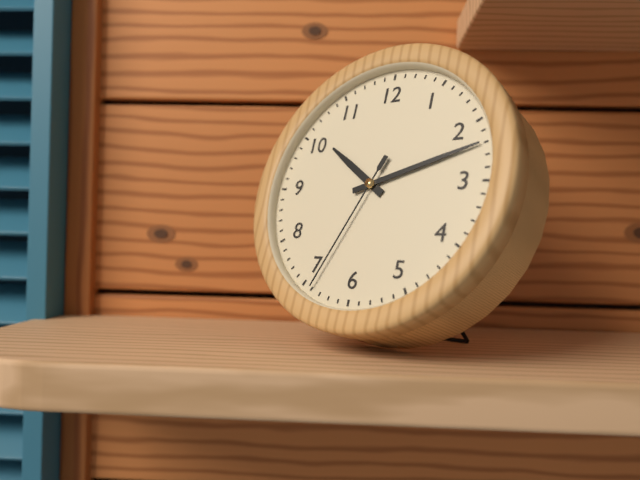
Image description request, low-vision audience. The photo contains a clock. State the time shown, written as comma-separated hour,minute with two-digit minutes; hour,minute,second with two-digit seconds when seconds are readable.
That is 10,12,34
